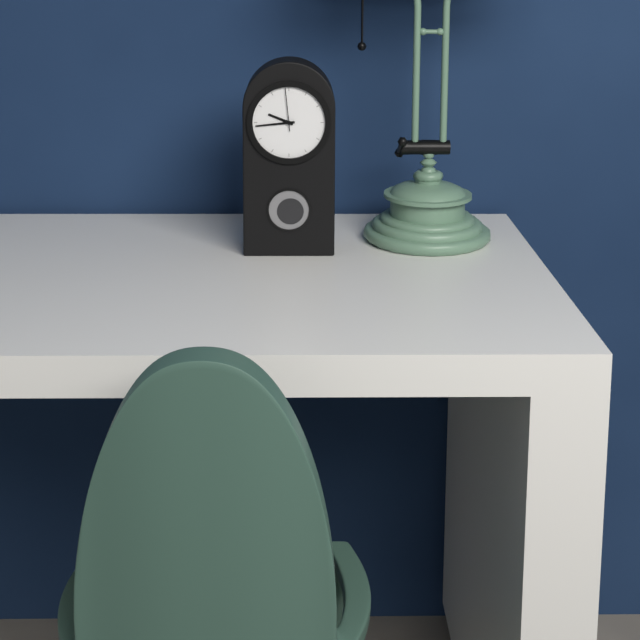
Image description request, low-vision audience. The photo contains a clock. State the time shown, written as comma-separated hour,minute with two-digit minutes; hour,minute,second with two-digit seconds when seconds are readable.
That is 9,44
